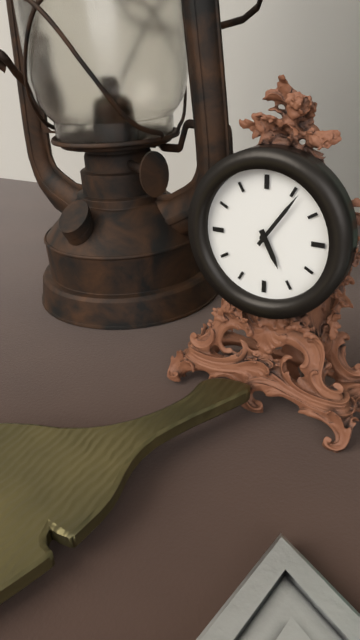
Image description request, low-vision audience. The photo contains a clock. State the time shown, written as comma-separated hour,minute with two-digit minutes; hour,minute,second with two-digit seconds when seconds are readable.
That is 5,06
